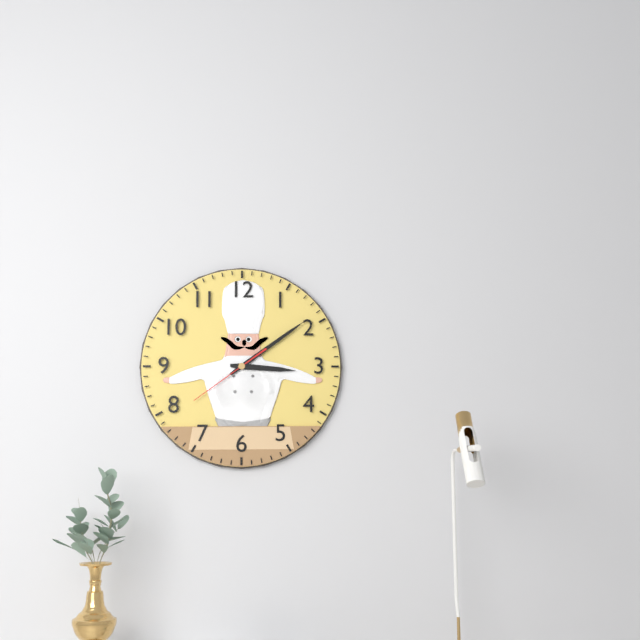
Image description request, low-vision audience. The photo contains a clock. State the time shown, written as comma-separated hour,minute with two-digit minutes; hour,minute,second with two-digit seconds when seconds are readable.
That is 3,09,39
